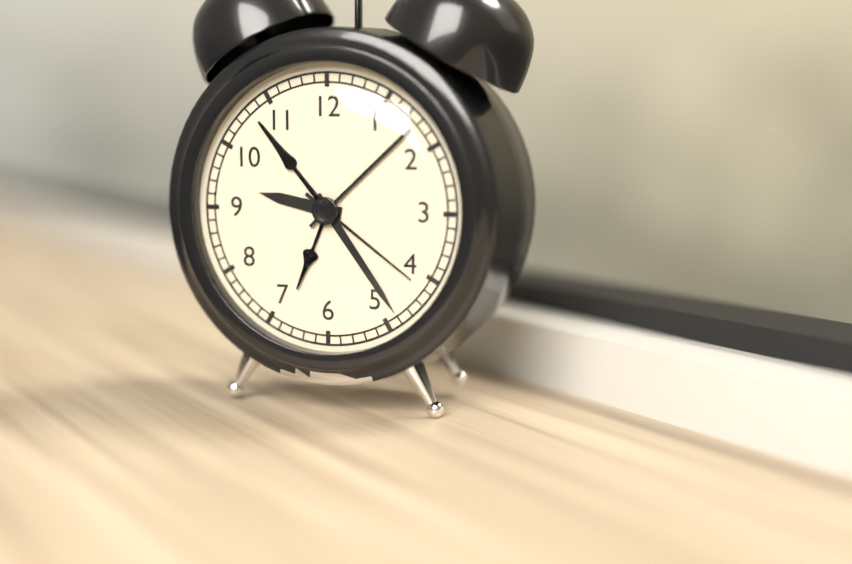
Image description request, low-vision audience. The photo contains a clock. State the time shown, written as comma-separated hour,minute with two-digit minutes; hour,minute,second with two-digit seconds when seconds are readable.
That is 9,24,21
